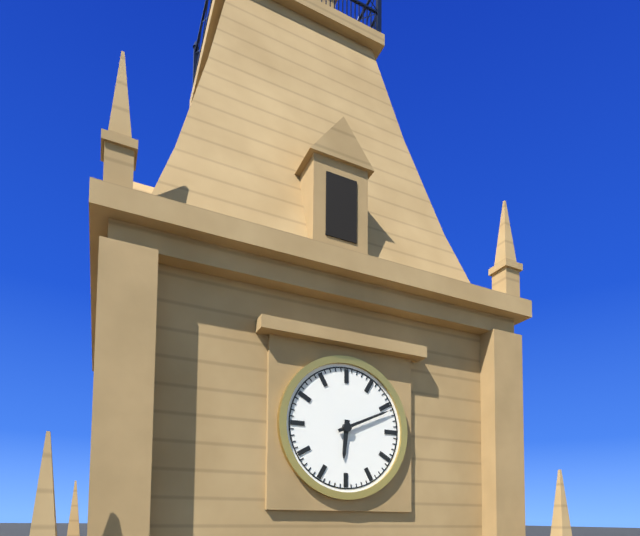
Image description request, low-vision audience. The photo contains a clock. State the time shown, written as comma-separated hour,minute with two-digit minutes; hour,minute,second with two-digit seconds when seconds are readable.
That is 6,11
